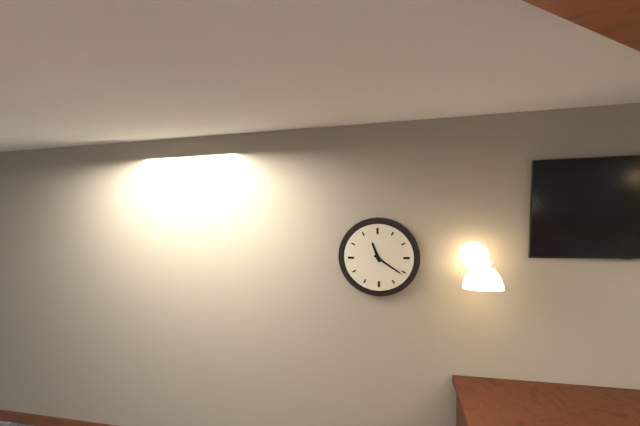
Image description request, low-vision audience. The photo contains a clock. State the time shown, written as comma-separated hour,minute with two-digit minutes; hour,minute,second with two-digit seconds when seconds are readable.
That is 11,21
